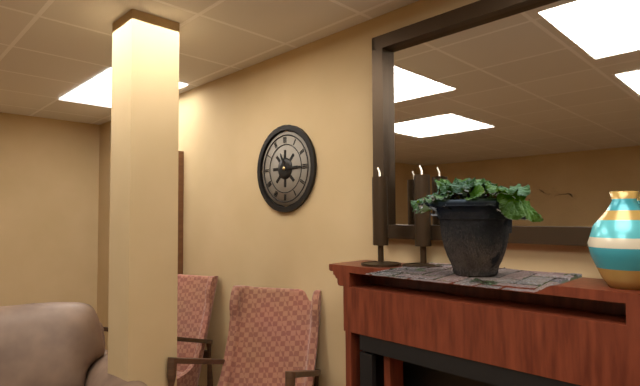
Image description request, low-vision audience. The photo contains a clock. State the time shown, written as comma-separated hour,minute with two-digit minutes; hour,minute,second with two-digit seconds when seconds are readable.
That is 11,15
